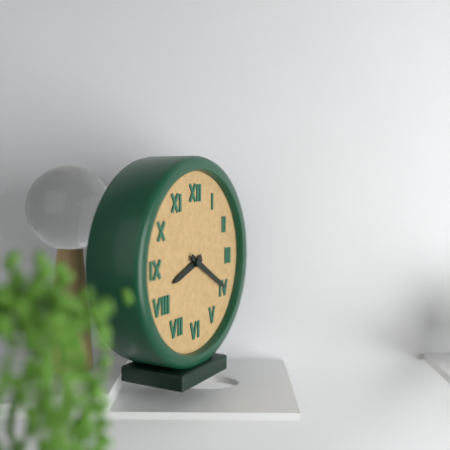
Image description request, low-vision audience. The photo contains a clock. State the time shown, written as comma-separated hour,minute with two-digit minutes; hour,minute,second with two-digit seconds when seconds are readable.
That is 8,20
